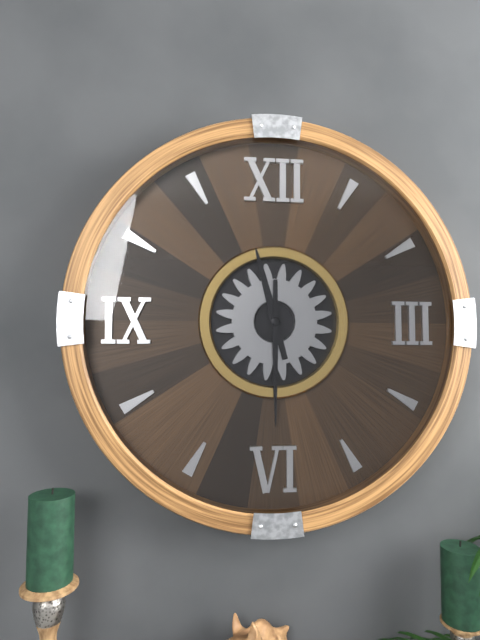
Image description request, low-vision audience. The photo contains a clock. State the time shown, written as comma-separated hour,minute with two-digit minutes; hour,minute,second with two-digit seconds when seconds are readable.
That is 11,30
